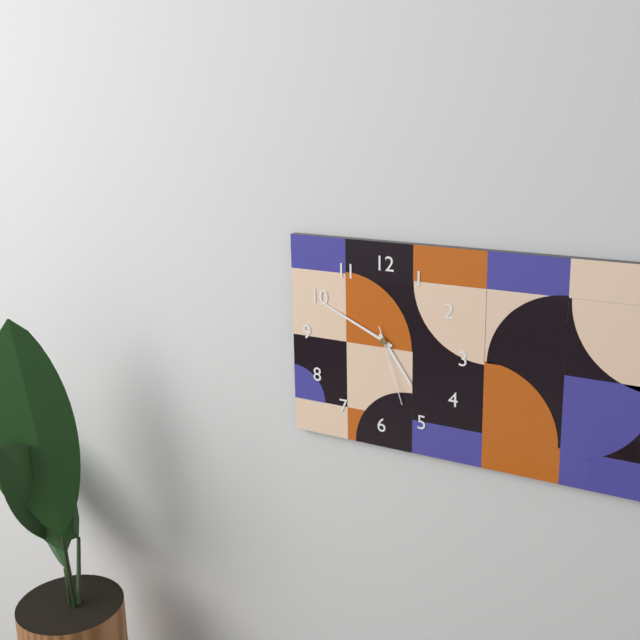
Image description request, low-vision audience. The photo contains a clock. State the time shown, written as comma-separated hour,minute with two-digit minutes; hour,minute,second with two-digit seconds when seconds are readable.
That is 4,49,27
